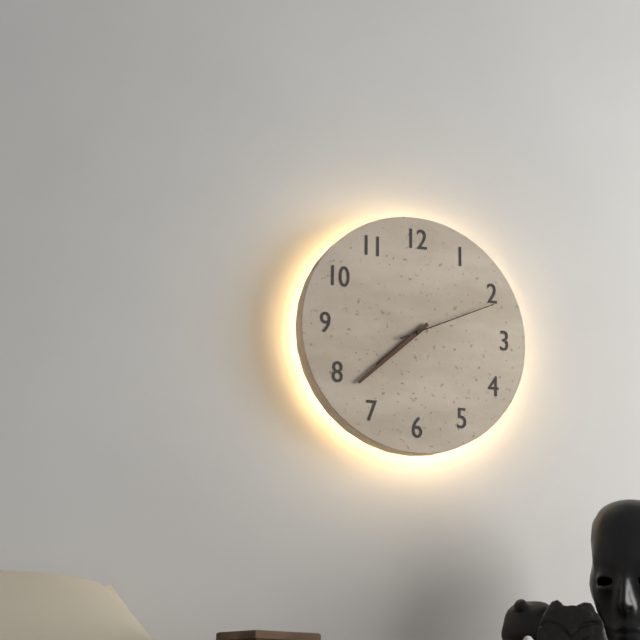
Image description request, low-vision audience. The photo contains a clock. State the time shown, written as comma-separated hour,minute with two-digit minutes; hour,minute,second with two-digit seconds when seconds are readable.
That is 7,38,11
